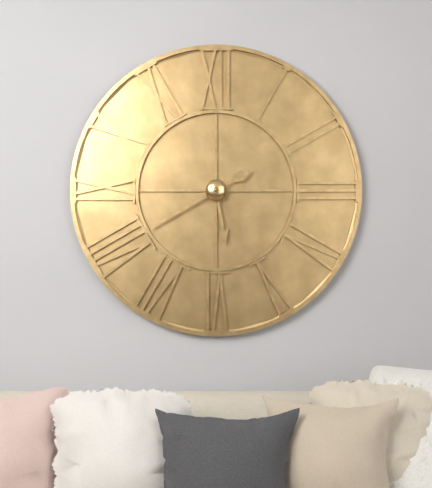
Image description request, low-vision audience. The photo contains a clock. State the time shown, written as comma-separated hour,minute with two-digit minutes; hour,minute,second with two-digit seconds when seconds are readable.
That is 5,40
